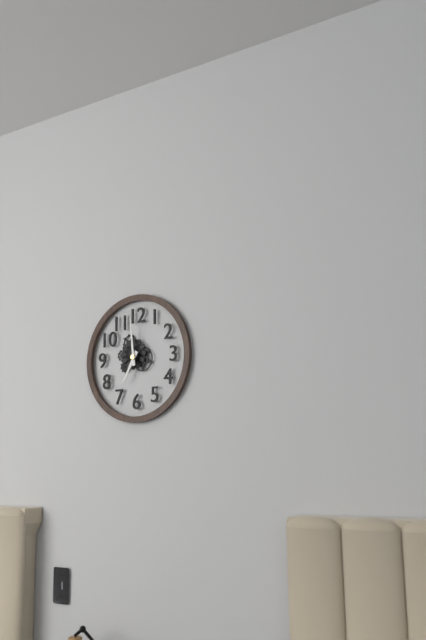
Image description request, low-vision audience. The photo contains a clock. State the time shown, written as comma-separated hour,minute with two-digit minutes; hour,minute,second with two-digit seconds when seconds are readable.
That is 6,59
